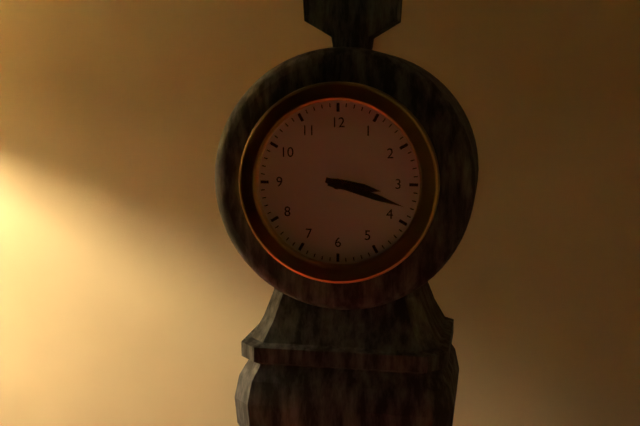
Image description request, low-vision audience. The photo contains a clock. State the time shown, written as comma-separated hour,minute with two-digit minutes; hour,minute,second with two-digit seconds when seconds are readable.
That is 3,18
